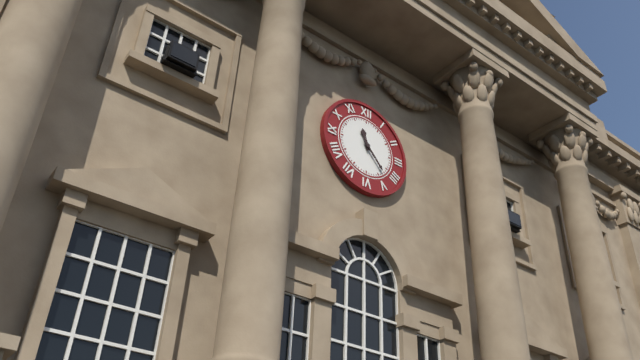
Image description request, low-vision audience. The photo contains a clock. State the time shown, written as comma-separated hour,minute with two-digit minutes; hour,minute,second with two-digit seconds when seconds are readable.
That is 11,23
